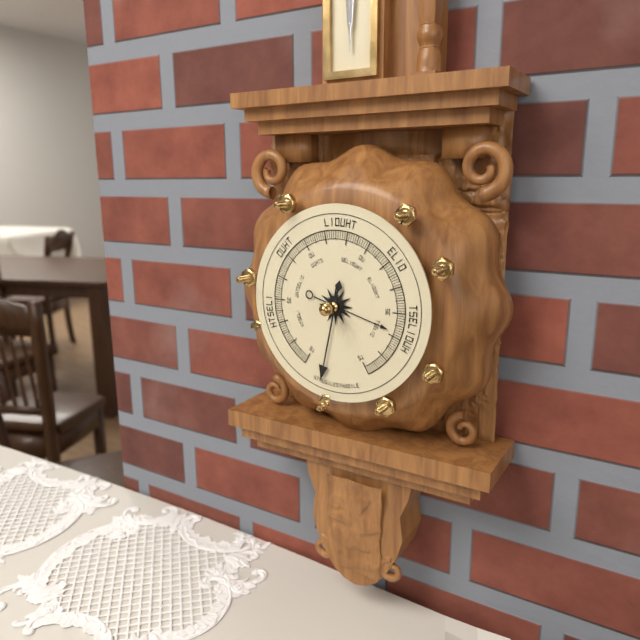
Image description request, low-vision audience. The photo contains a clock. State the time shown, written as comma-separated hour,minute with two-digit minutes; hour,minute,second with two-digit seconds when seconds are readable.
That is 3,32
